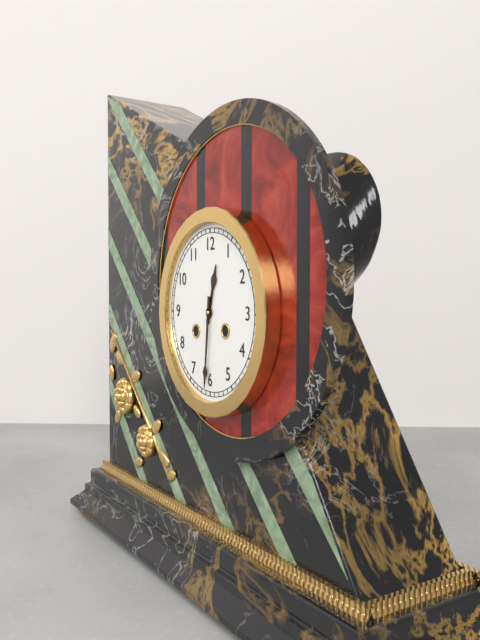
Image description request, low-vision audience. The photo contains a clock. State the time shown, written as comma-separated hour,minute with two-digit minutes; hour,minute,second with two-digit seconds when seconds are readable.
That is 12,31
